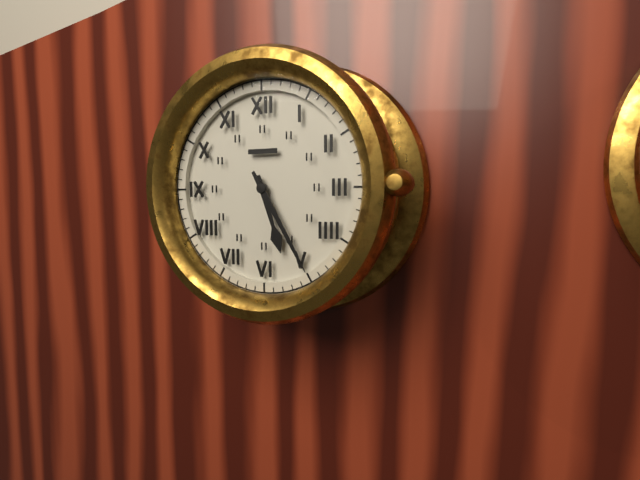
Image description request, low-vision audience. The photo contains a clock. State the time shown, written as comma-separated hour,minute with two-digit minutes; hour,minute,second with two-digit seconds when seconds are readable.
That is 5,25
